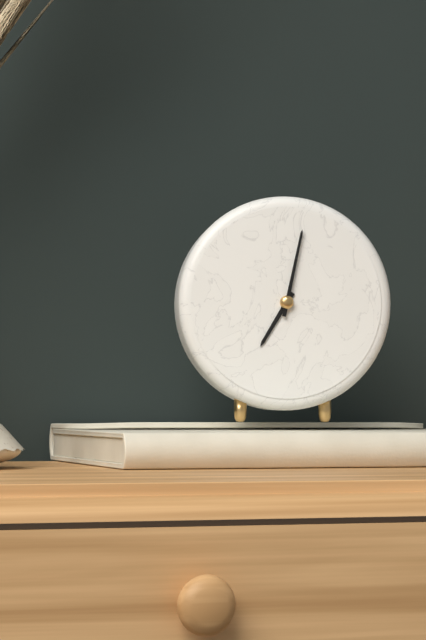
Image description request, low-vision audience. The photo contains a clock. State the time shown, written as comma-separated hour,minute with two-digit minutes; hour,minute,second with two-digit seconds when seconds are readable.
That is 7,02
